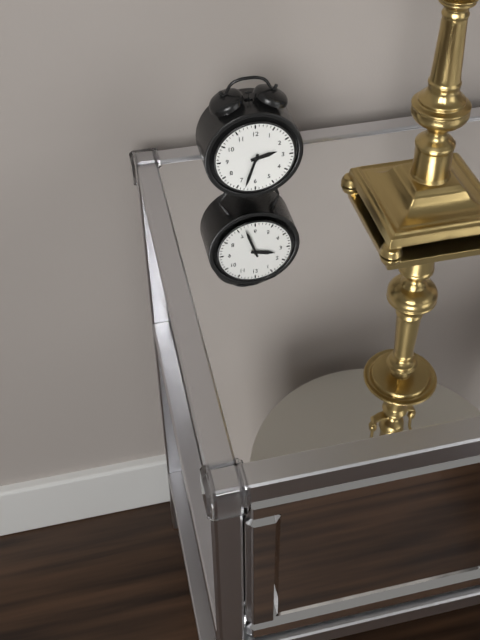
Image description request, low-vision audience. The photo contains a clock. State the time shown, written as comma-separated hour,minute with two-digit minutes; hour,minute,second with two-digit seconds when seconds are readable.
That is 2,33
